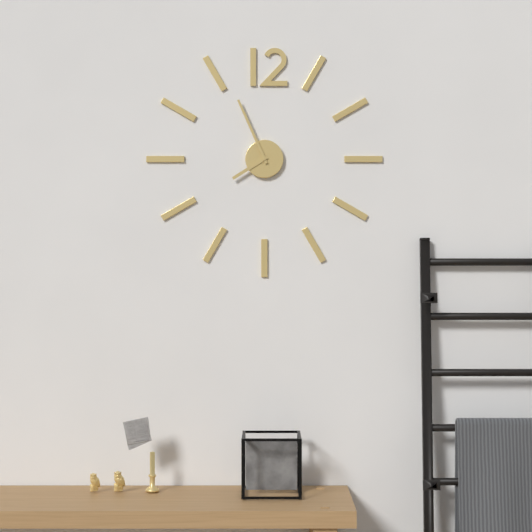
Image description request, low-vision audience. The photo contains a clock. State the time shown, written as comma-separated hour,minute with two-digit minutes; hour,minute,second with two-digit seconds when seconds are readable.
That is 7,56
